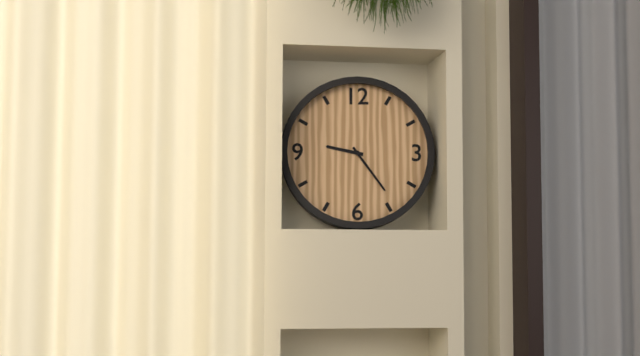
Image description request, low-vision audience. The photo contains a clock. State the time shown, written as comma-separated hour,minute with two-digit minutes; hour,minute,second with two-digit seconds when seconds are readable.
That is 9,24
